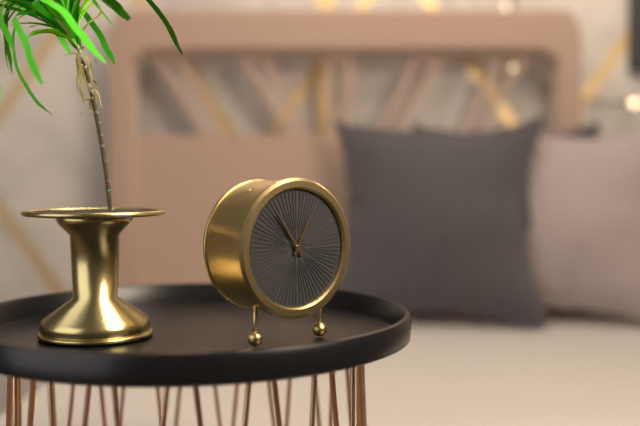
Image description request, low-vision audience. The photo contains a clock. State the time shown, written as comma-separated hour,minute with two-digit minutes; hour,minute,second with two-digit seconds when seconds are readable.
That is 12,54
